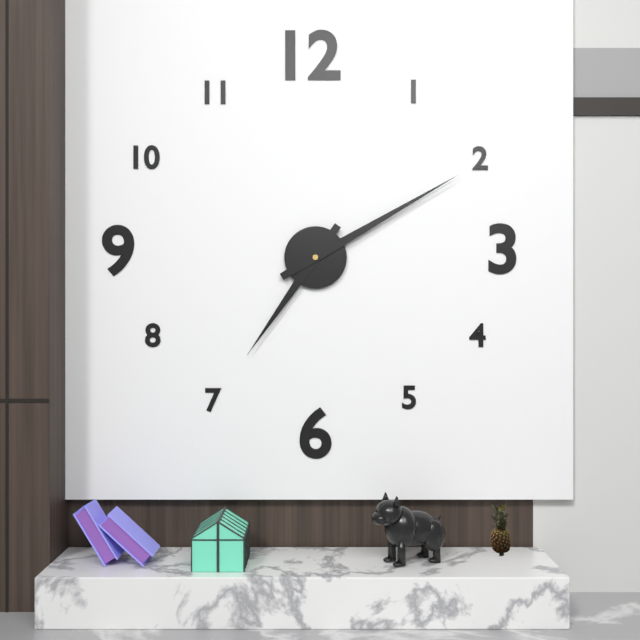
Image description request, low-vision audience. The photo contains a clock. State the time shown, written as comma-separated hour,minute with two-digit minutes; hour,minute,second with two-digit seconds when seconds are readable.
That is 7,10
